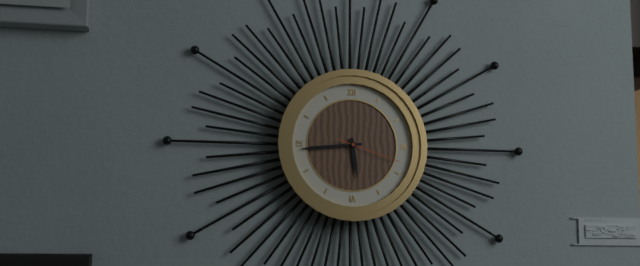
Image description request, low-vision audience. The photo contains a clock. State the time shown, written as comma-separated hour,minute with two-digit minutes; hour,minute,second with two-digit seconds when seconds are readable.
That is 5,44,18
